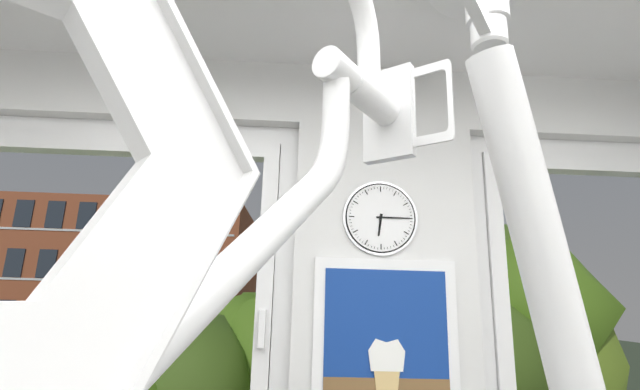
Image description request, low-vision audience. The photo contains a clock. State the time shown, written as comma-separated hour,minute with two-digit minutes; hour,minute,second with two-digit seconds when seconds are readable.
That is 6,15
